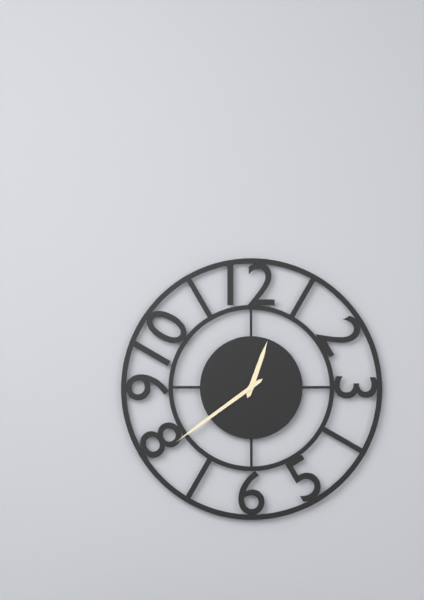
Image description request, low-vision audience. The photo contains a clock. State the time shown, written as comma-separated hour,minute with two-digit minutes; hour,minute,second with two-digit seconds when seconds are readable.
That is 12,39
